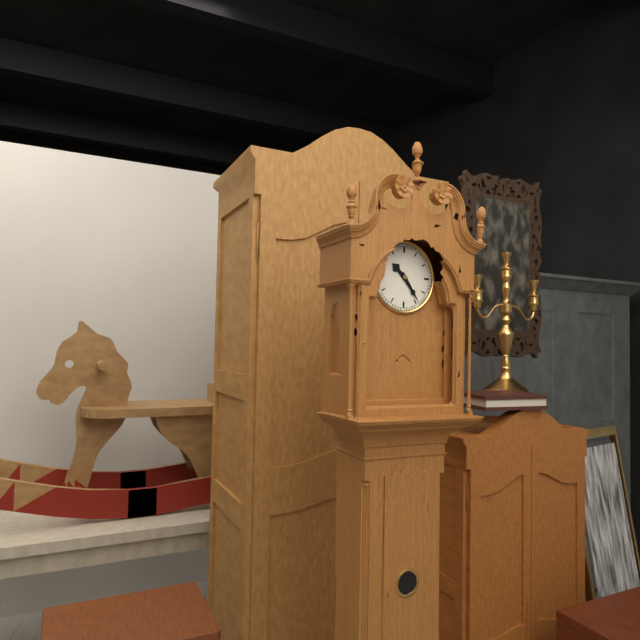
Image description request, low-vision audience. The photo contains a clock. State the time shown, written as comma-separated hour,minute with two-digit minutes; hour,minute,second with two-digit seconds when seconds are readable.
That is 10,24
